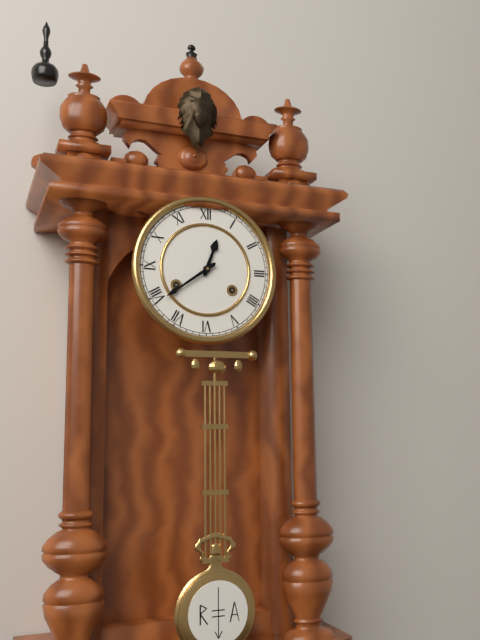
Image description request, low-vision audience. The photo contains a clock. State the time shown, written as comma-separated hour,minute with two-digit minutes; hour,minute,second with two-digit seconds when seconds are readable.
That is 12,39
